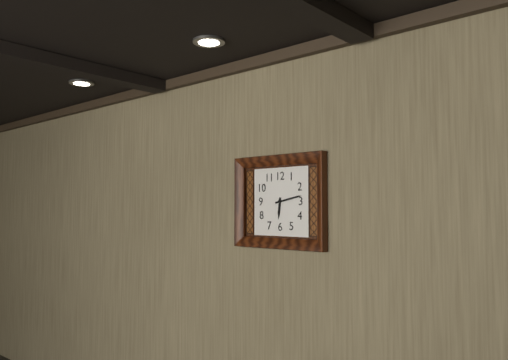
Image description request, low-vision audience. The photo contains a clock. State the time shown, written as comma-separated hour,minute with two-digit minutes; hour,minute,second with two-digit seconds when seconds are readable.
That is 6,13
